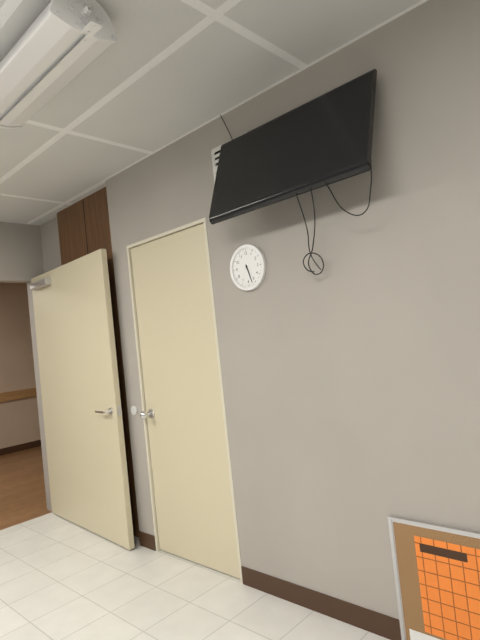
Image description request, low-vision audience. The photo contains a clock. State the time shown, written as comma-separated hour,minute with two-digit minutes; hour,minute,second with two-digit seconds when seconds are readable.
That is 5,27
